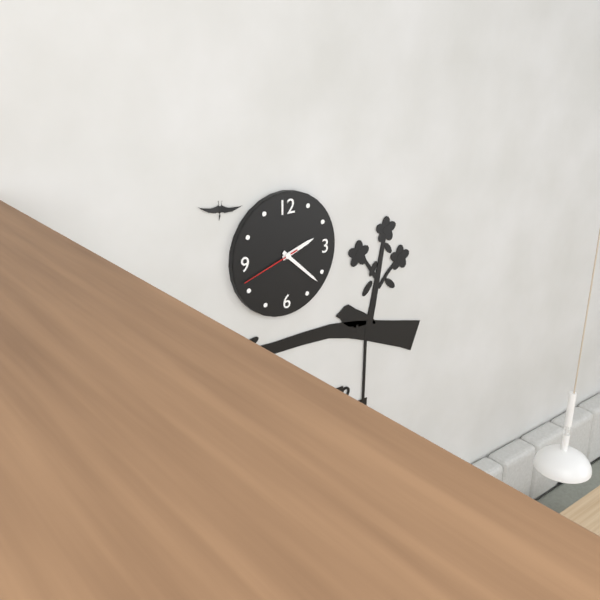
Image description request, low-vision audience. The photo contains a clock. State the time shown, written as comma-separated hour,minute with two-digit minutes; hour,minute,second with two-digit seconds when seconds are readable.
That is 2,22,42
